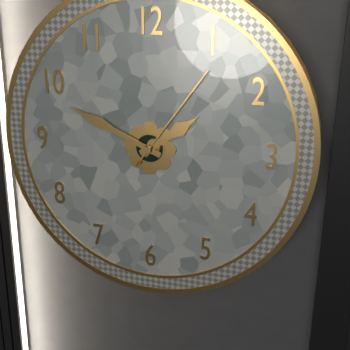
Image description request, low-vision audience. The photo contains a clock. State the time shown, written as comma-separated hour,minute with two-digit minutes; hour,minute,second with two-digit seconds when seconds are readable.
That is 1,49,06
